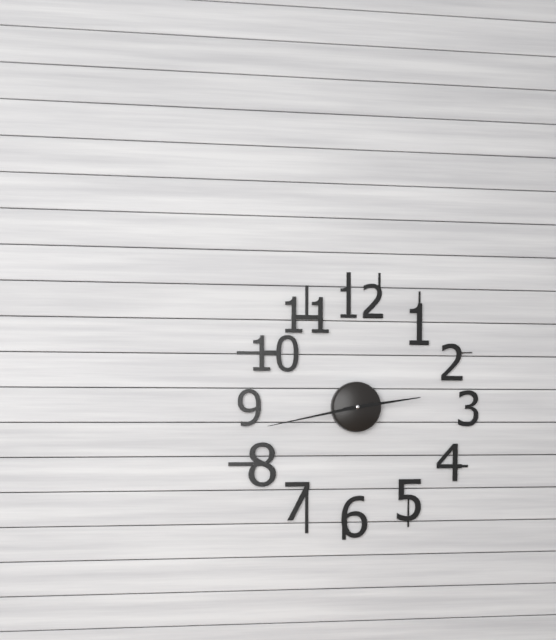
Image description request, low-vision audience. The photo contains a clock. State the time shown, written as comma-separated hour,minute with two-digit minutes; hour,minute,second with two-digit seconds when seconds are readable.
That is 2,43
